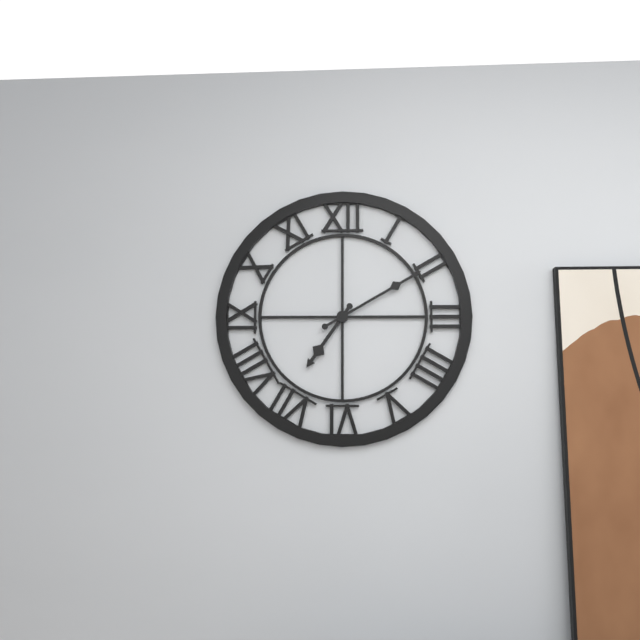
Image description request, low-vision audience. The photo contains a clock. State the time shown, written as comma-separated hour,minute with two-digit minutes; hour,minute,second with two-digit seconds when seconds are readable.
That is 7,10
